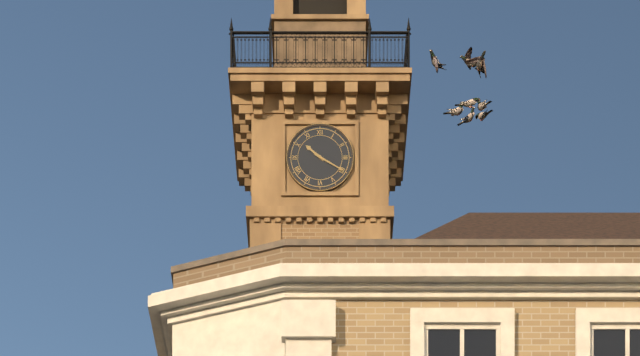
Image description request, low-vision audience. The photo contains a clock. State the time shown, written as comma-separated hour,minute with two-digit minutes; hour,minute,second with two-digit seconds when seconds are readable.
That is 10,20
